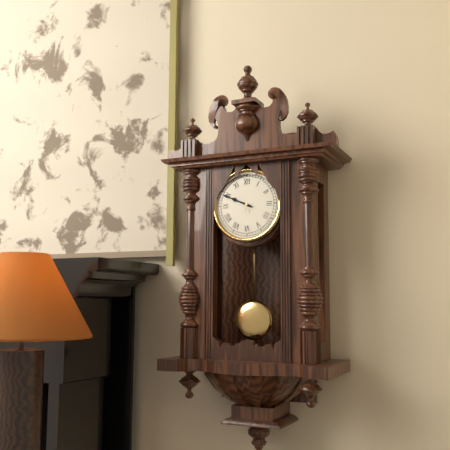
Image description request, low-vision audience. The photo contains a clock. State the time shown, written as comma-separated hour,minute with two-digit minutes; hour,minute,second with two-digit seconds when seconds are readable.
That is 9,49
